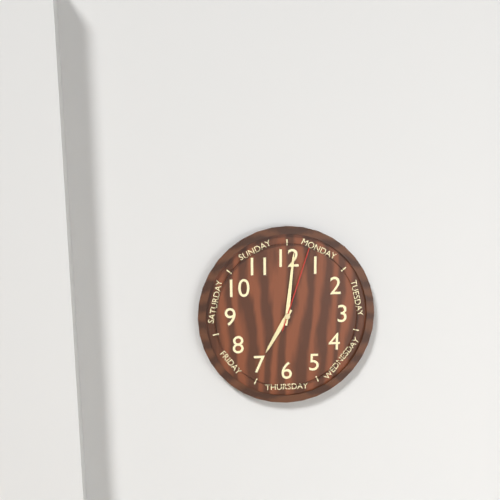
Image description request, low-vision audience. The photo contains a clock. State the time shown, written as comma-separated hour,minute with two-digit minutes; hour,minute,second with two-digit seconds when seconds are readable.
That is 7,01,03
